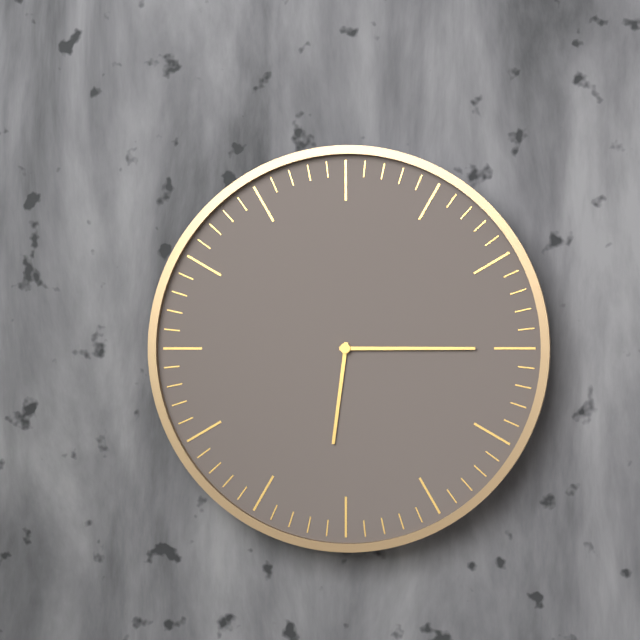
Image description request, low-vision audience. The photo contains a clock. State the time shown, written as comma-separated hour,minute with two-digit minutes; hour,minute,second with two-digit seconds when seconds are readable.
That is 6,15
